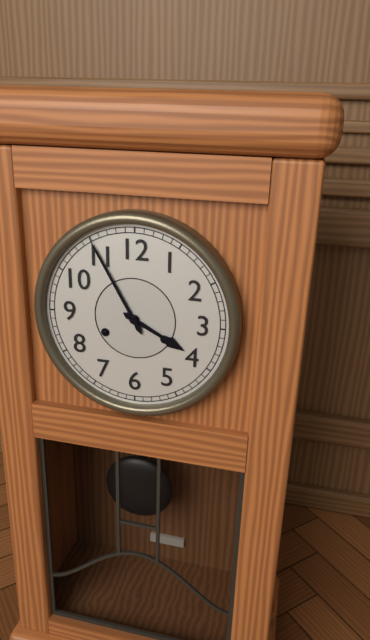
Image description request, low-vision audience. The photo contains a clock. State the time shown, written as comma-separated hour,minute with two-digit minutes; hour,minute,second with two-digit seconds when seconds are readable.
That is 3,55
